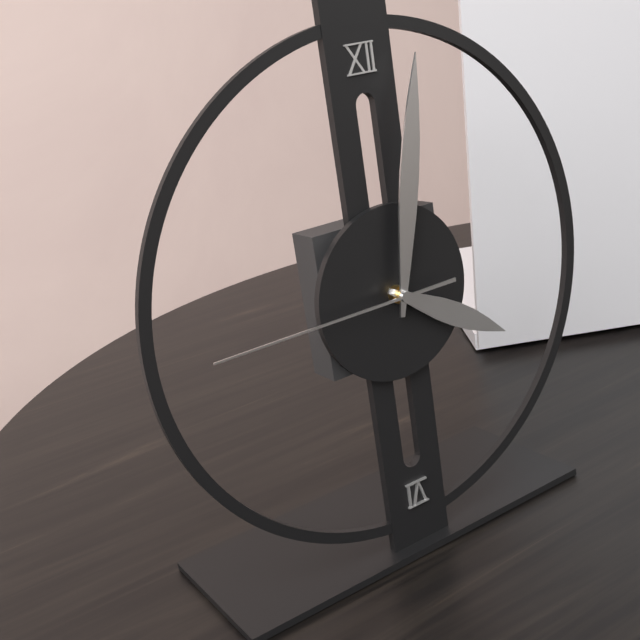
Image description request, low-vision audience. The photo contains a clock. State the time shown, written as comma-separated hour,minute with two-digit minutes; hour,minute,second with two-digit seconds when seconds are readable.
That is 4,02,45
